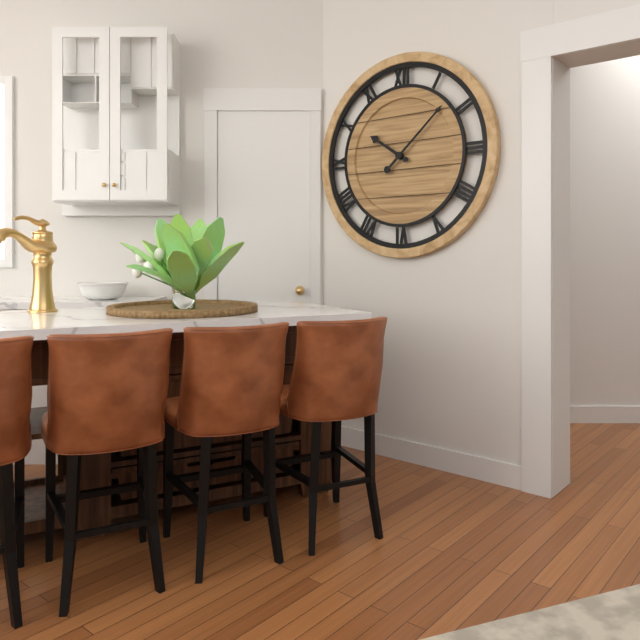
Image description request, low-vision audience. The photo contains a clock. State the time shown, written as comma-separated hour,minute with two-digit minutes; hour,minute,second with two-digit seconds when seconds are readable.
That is 10,08
